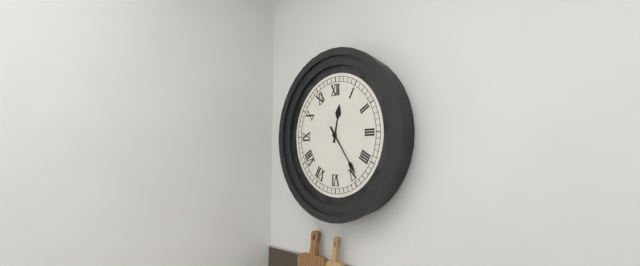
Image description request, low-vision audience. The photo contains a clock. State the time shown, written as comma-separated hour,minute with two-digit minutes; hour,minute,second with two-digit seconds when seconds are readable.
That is 12,24
